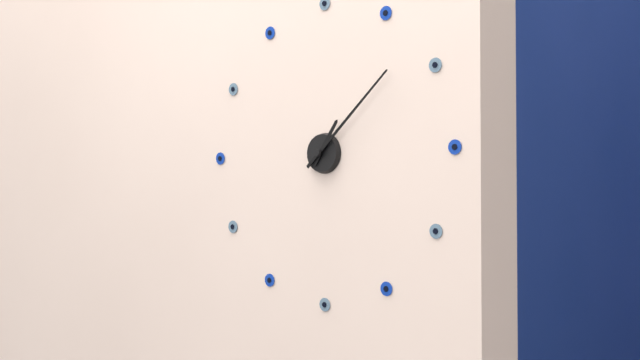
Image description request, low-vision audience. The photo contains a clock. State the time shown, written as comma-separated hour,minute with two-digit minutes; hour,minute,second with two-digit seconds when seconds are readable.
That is 1,08
